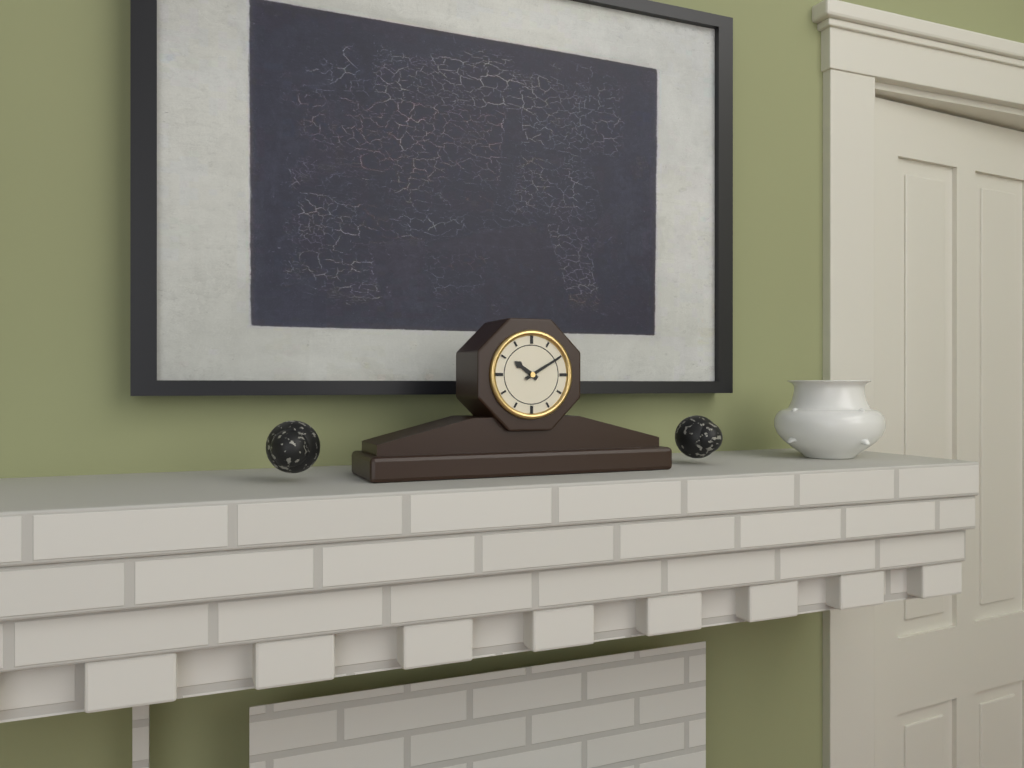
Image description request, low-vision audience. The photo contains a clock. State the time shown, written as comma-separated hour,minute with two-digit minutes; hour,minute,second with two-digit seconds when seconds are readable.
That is 10,10
